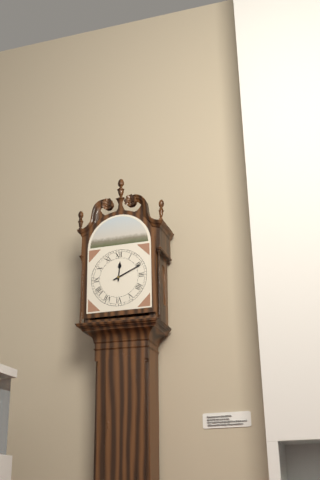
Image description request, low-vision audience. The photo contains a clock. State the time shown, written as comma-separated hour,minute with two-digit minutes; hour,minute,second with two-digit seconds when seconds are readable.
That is 12,11
